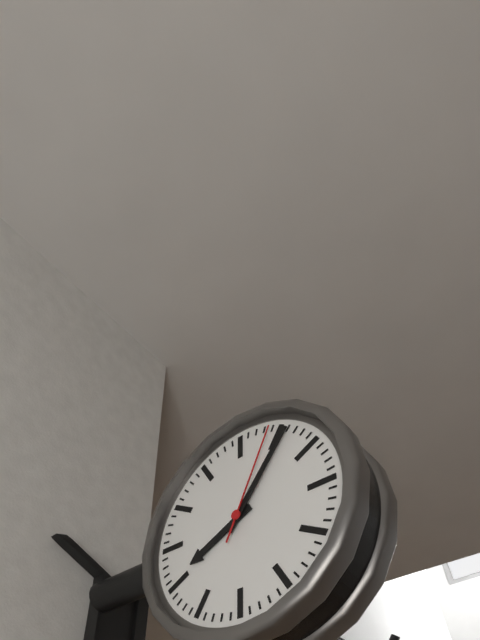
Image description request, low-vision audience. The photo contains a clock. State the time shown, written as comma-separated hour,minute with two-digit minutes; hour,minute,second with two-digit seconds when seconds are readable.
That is 8,06,04
